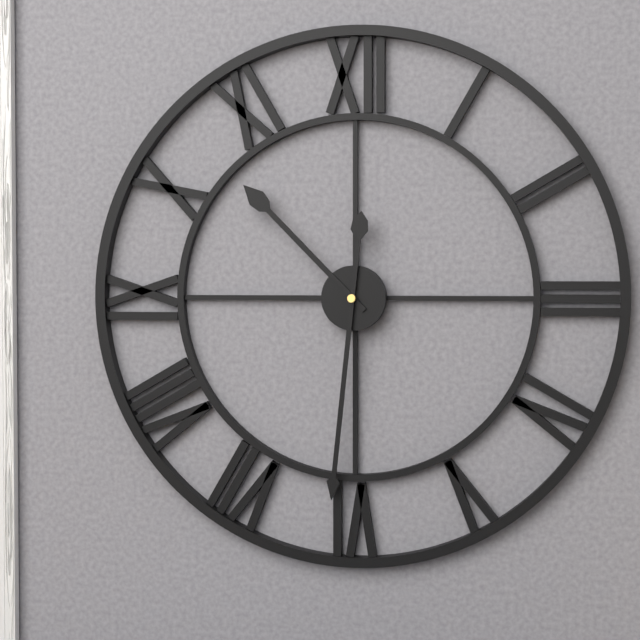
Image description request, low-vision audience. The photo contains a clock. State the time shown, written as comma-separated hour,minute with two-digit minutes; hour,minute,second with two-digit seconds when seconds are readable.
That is 10,31
